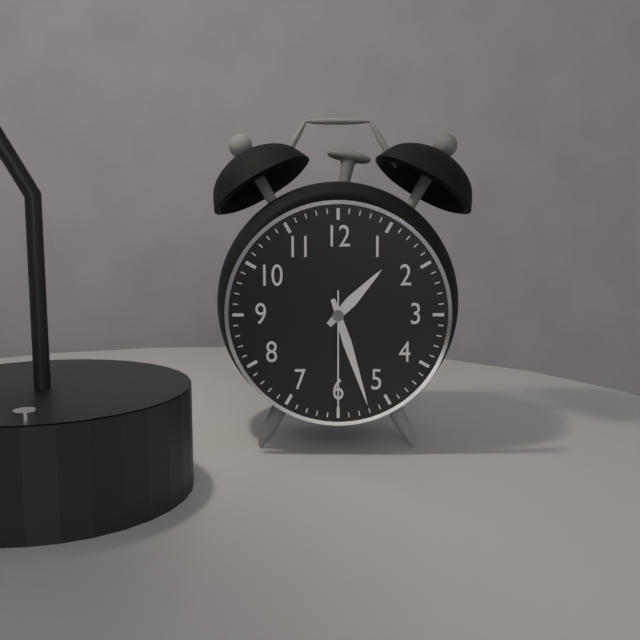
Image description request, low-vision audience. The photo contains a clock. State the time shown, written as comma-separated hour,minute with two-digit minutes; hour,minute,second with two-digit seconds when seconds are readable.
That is 1,27,30
